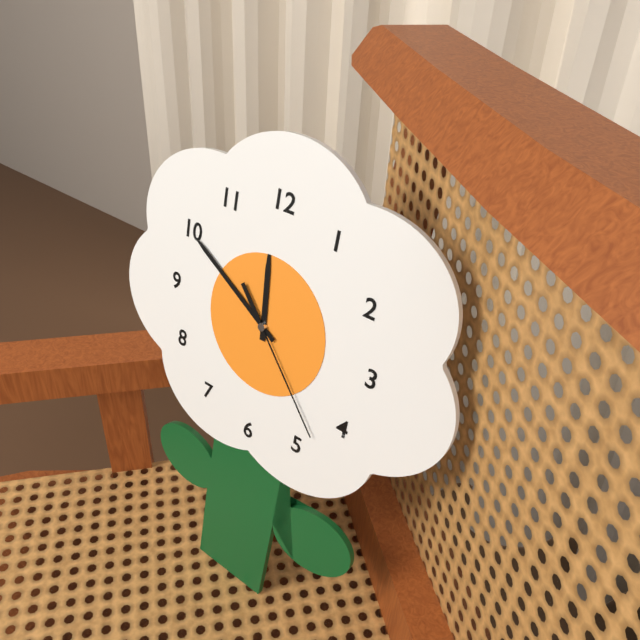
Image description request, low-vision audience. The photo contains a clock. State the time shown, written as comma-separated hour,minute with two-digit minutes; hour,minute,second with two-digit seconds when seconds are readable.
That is 11,50,23
